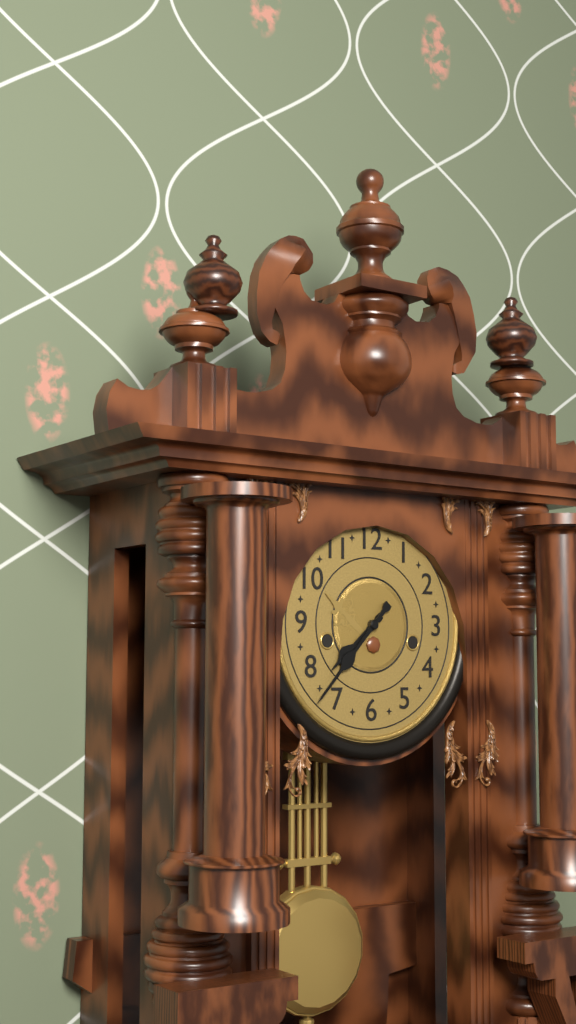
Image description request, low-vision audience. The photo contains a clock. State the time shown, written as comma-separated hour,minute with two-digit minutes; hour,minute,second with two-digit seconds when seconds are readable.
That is 7,37
